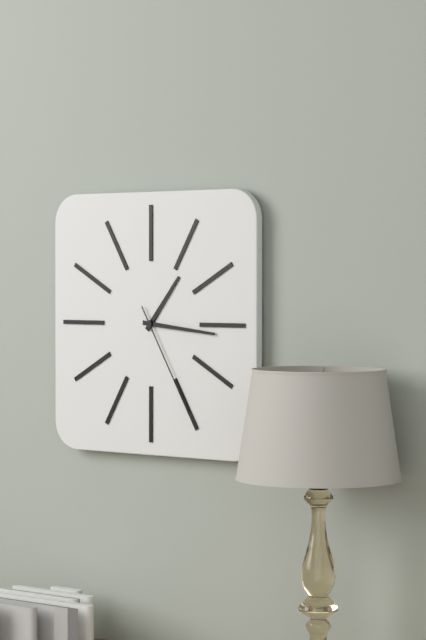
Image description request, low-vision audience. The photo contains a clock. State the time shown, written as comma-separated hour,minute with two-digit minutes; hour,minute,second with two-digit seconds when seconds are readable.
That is 1,16,25
